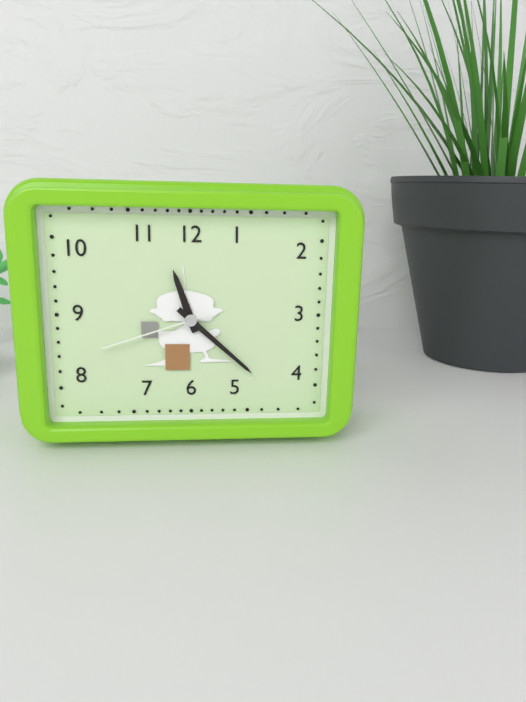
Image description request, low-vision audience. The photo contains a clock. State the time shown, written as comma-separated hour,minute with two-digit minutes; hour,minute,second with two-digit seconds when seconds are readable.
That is 11,22,42
